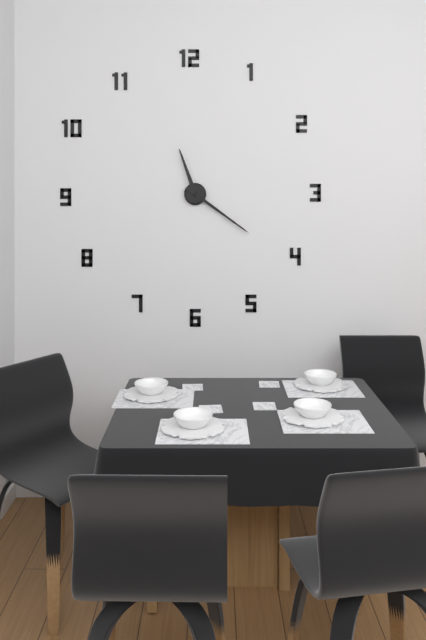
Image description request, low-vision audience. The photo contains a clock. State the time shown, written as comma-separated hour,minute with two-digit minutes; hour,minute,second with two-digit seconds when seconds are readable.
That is 11,21
